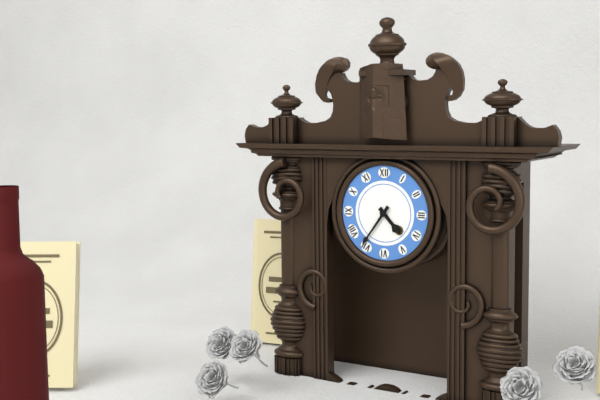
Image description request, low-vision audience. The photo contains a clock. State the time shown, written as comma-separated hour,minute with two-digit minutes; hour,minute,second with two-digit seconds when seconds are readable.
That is 4,36
